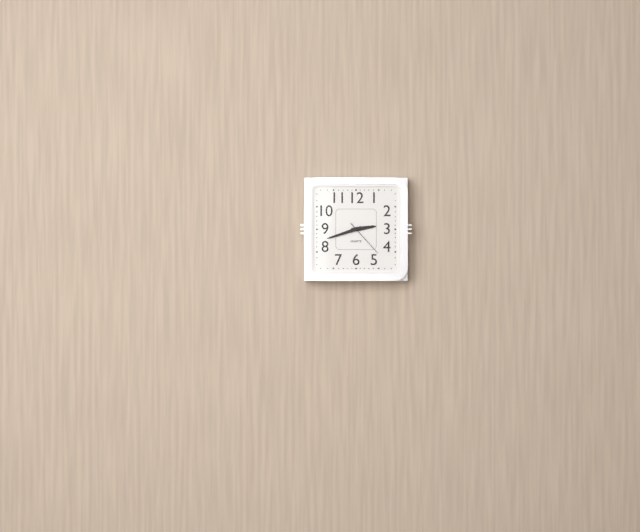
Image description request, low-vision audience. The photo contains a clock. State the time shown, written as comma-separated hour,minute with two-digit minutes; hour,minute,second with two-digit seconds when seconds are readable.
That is 2,42
